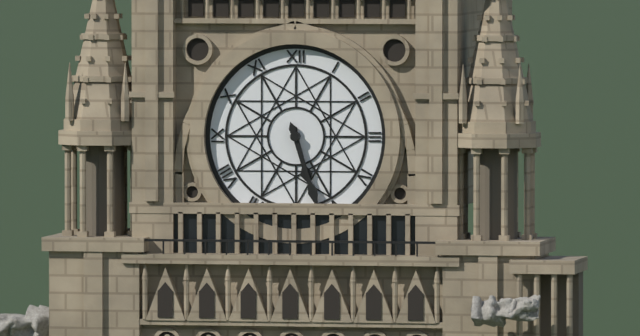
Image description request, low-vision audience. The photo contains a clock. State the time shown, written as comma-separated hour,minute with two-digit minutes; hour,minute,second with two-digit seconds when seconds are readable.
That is 5,27
